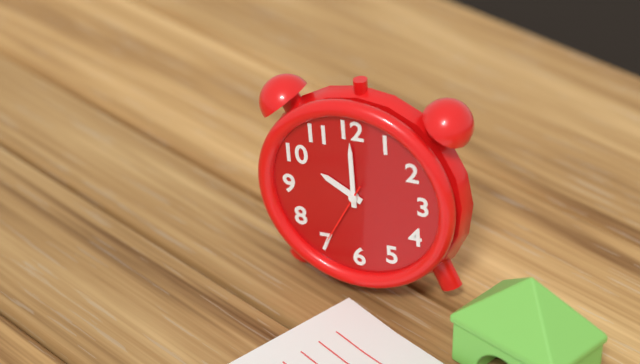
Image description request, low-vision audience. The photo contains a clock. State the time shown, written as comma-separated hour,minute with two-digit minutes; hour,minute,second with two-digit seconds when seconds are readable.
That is 10,00,35
